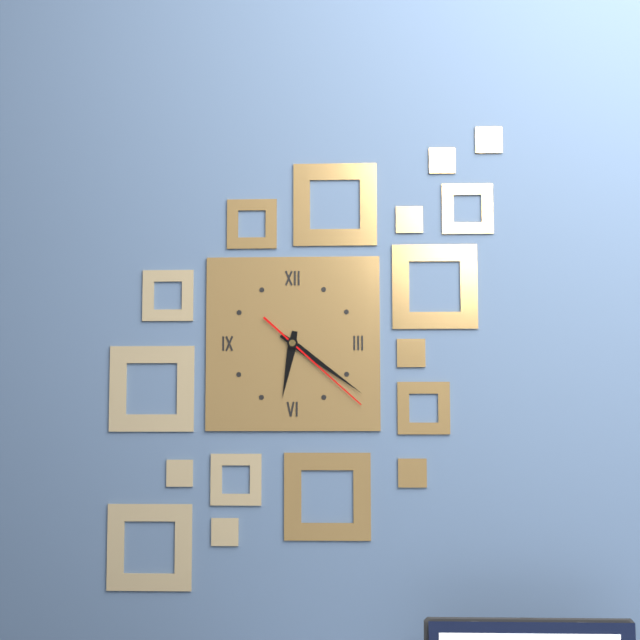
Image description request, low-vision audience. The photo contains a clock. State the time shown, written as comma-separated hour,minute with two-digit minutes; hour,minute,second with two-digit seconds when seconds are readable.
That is 6,21,22
